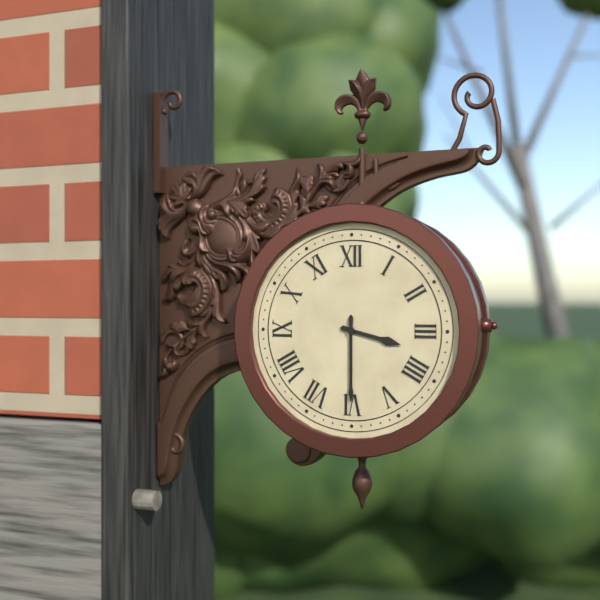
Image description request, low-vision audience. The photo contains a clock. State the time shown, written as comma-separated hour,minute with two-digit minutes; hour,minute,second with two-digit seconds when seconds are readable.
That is 3,30
